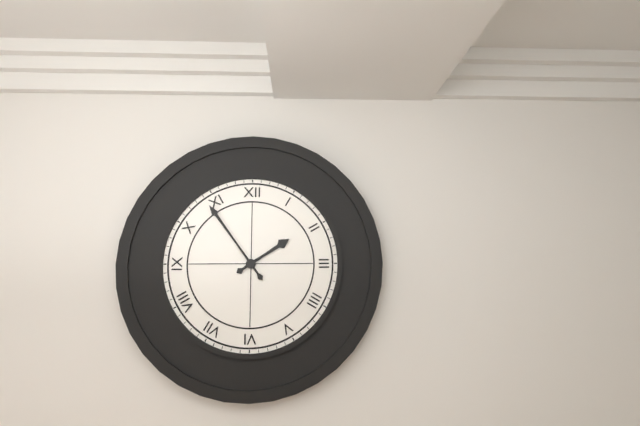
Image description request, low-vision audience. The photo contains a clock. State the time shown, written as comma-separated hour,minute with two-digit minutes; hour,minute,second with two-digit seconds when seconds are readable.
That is 1,54
